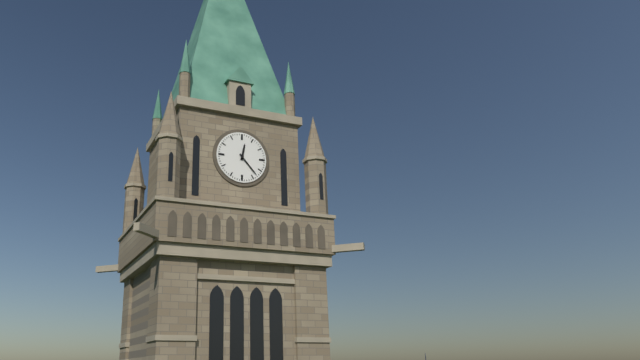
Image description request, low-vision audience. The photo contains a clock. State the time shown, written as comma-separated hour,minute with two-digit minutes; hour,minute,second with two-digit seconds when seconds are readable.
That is 12,23
